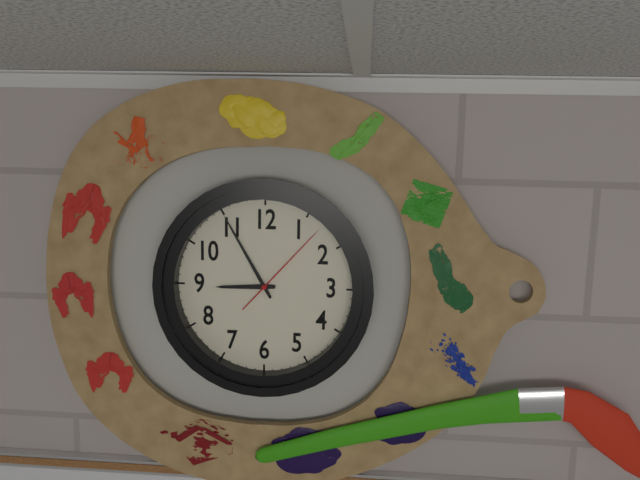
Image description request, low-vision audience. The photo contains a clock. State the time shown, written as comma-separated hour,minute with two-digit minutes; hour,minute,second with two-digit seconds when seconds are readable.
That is 8,55,07
